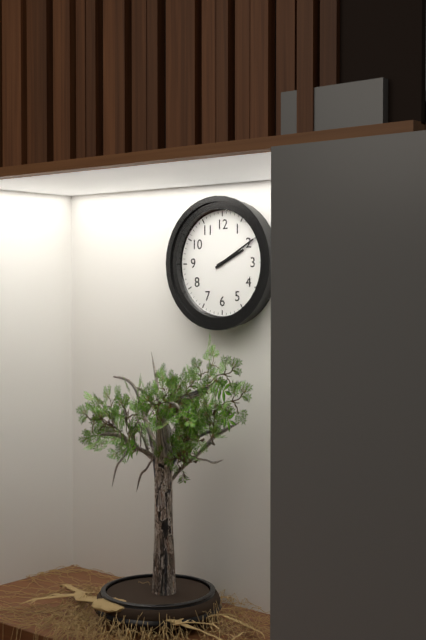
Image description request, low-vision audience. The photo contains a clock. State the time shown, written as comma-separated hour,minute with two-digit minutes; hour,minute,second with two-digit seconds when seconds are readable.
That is 2,10
